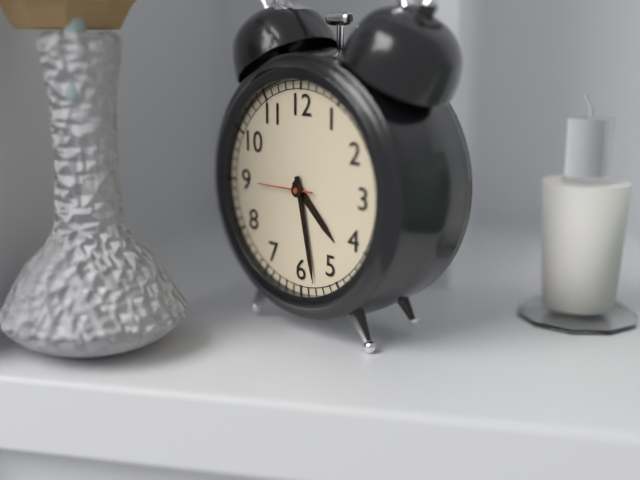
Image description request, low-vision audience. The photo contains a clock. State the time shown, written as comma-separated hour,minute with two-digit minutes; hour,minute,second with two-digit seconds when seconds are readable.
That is 4,28
